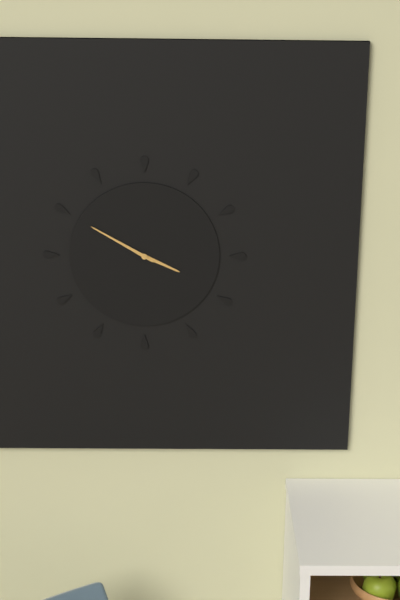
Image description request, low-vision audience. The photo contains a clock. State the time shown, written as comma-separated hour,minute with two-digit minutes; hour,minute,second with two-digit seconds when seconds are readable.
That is 3,50
